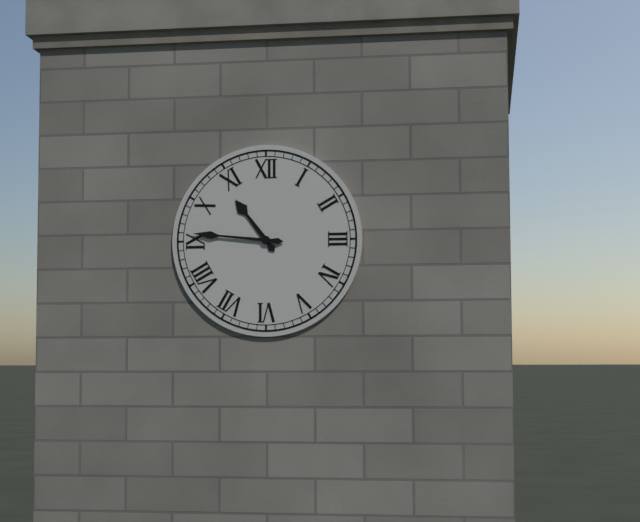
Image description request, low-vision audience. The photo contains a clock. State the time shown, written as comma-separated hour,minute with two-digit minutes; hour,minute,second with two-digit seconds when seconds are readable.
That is 10,46
